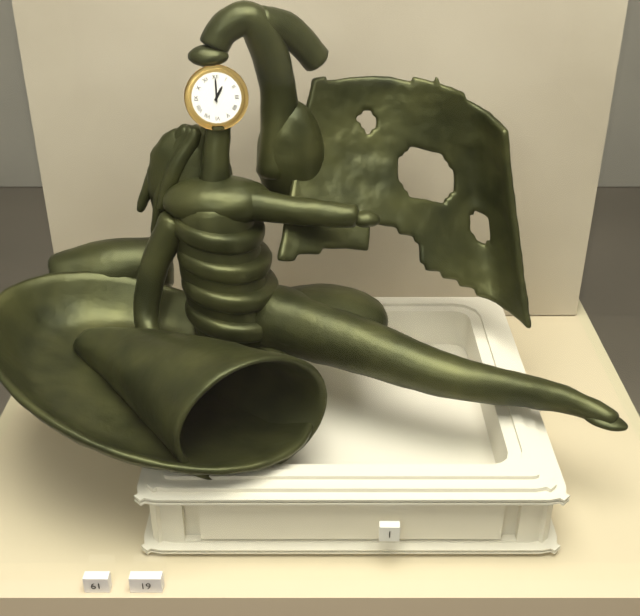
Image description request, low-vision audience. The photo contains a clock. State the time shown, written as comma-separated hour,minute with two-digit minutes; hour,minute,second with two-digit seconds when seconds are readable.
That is 1,00
